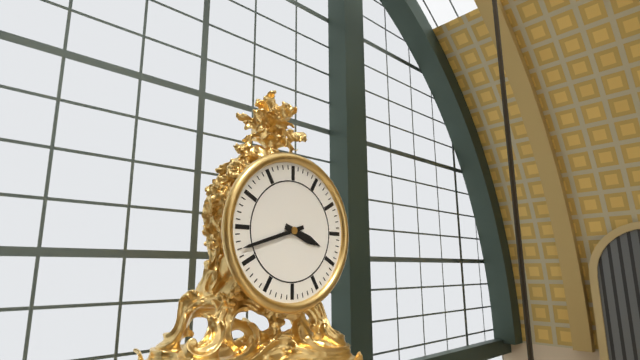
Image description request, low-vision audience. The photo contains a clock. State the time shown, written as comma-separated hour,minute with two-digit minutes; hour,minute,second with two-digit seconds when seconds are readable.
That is 3,42
